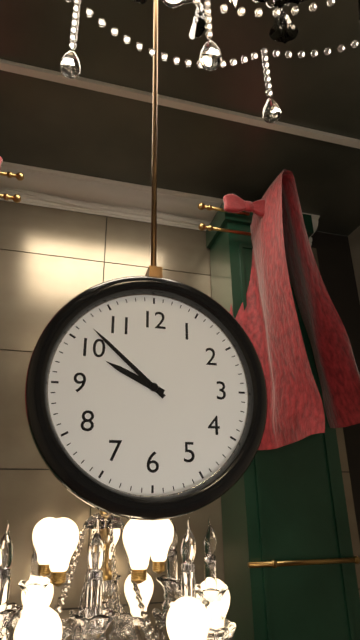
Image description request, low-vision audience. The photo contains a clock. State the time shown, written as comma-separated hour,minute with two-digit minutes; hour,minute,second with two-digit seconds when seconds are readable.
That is 9,52
